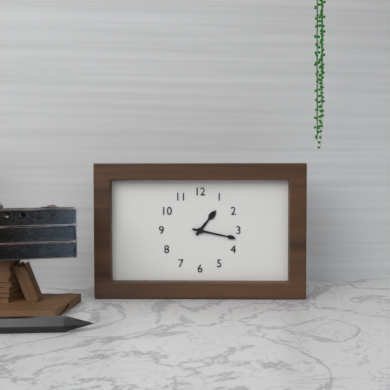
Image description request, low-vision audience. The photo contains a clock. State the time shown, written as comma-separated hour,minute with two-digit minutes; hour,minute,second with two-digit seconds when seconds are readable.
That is 1,17
